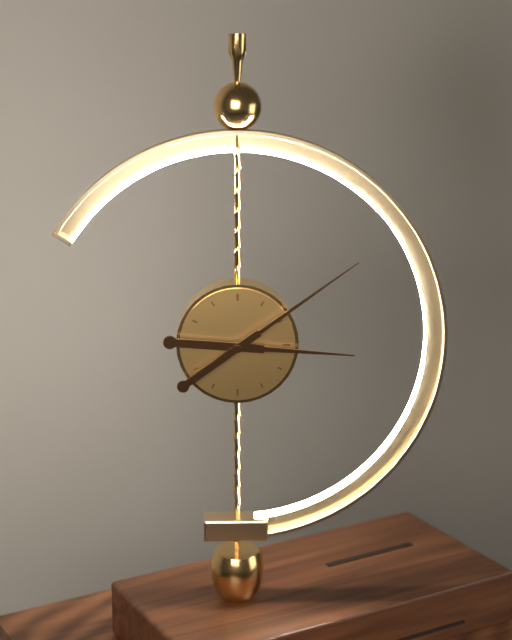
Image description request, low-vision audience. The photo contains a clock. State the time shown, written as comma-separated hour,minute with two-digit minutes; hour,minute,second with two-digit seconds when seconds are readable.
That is 3,09
